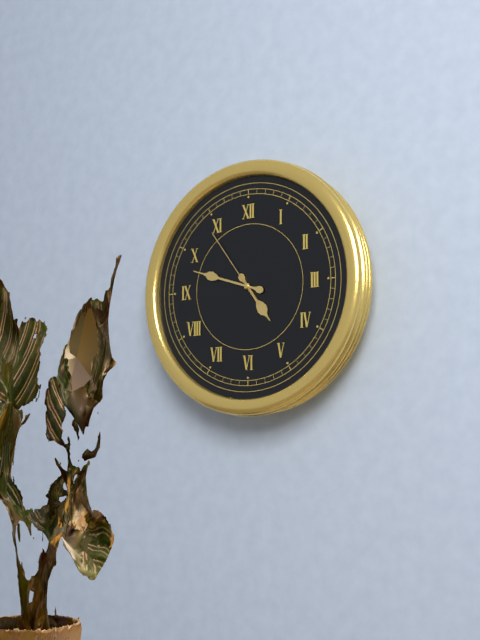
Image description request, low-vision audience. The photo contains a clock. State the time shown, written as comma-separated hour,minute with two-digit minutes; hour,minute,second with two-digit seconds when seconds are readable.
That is 4,48,54
